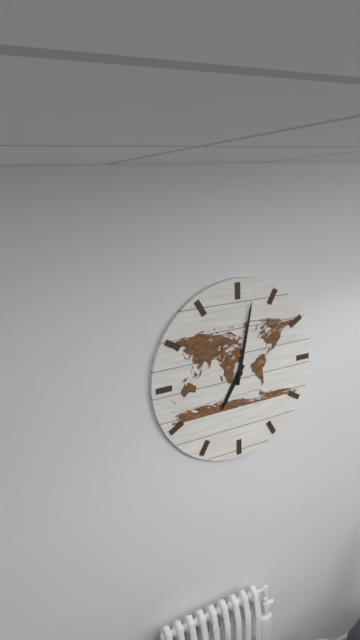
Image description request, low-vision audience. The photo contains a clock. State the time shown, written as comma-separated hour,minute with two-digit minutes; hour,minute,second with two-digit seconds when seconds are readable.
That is 7,02
